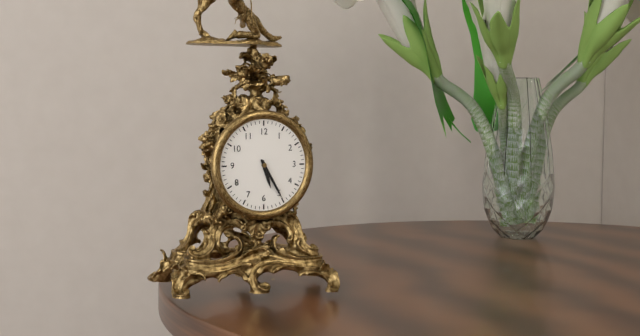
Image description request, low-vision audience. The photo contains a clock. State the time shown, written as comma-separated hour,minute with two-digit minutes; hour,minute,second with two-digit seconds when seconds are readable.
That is 5,25
